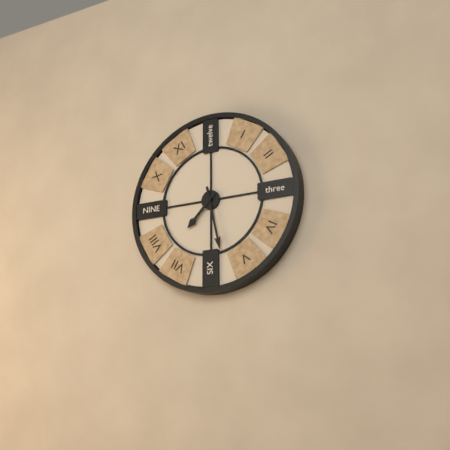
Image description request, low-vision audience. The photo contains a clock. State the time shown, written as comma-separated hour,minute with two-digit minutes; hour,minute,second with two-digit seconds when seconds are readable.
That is 7,28
